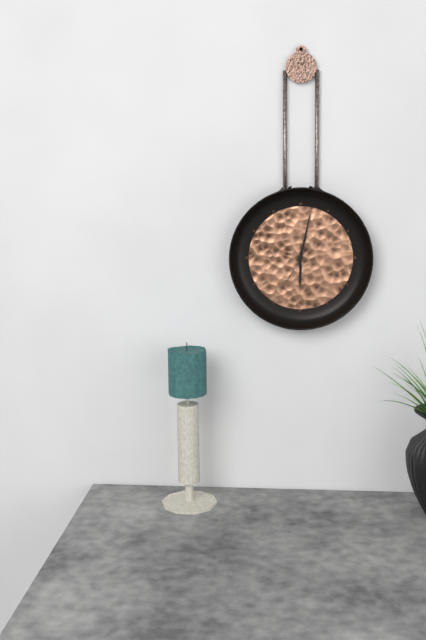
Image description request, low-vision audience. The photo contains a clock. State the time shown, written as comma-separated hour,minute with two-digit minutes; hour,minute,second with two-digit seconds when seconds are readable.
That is 6,02
